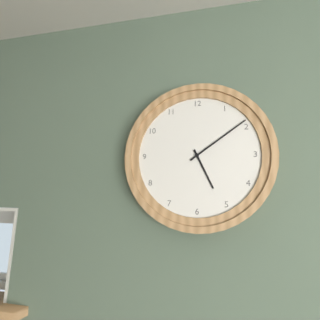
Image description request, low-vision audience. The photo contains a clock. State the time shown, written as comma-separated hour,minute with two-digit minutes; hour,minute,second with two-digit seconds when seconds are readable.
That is 5,09
